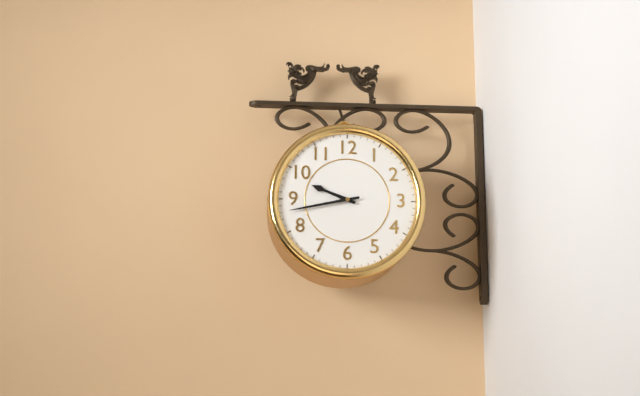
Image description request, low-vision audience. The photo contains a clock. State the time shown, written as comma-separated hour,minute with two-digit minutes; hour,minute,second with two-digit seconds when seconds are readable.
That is 9,43
